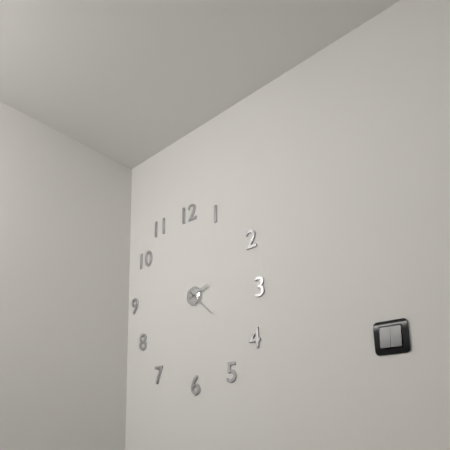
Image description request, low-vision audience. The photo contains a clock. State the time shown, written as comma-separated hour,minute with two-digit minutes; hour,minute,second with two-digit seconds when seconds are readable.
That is 2,22
